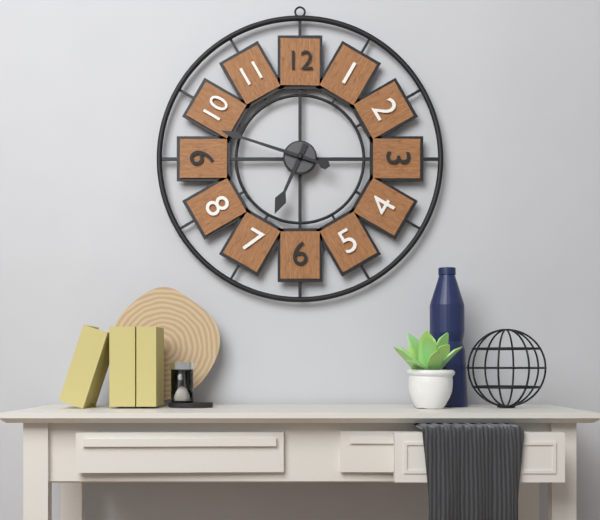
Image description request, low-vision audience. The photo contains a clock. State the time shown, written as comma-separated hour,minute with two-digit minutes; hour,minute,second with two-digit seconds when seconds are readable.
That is 6,48
